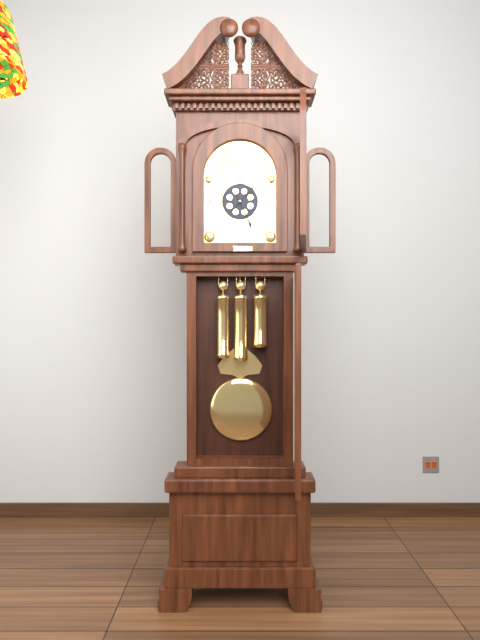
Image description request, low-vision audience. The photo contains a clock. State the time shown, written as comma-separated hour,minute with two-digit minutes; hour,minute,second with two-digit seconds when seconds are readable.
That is 1,26
